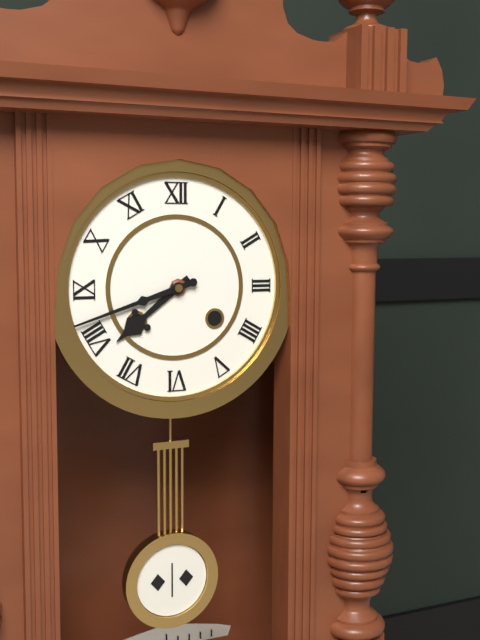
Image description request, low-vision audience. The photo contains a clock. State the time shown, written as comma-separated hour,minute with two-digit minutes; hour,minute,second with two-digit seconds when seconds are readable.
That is 7,42
